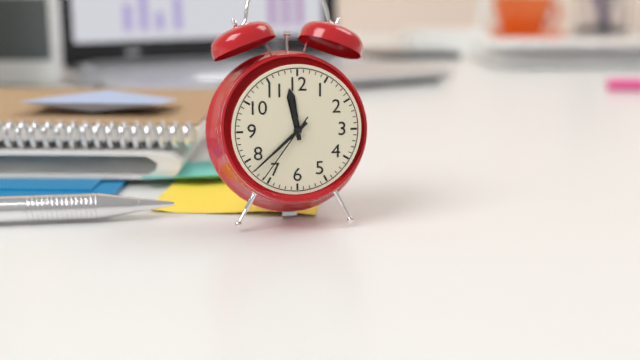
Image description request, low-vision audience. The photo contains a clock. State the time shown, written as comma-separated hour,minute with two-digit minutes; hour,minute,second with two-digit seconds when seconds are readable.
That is 11,38,36
